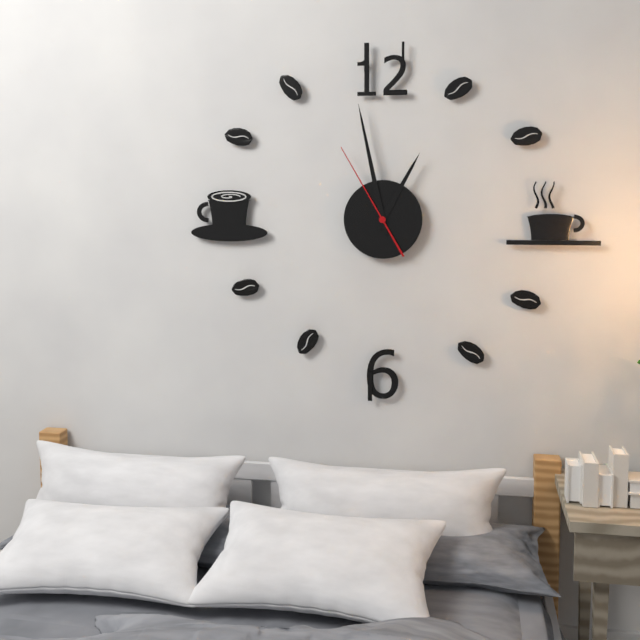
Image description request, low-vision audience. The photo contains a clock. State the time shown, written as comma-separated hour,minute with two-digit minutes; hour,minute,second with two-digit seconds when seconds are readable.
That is 12,58,55
